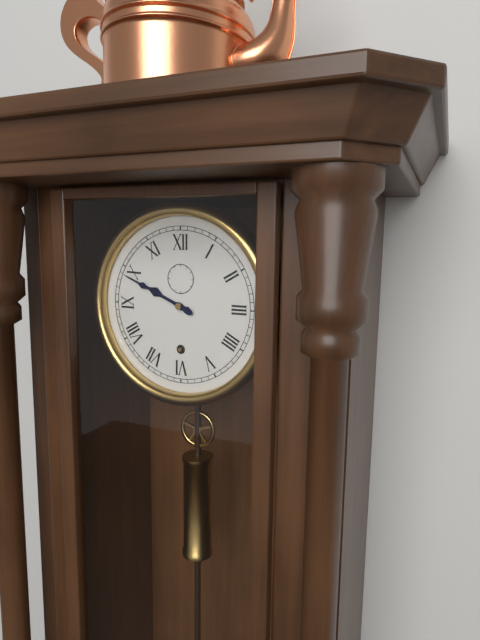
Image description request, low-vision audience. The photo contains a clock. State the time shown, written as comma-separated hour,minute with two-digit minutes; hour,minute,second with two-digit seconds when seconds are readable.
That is 9,49
